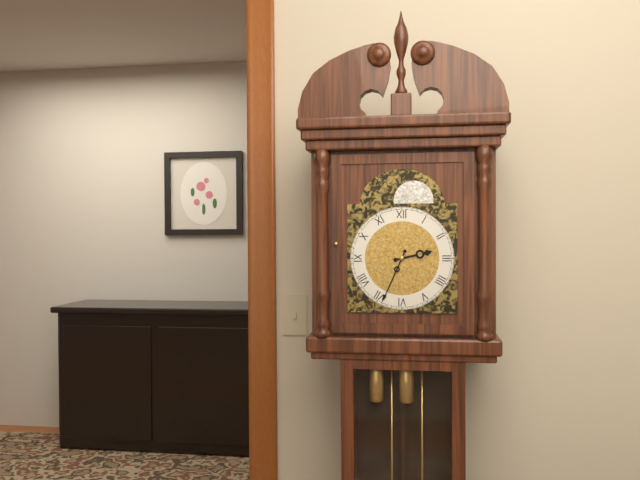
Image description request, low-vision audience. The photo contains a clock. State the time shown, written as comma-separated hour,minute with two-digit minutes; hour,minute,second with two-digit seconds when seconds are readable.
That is 2,34
